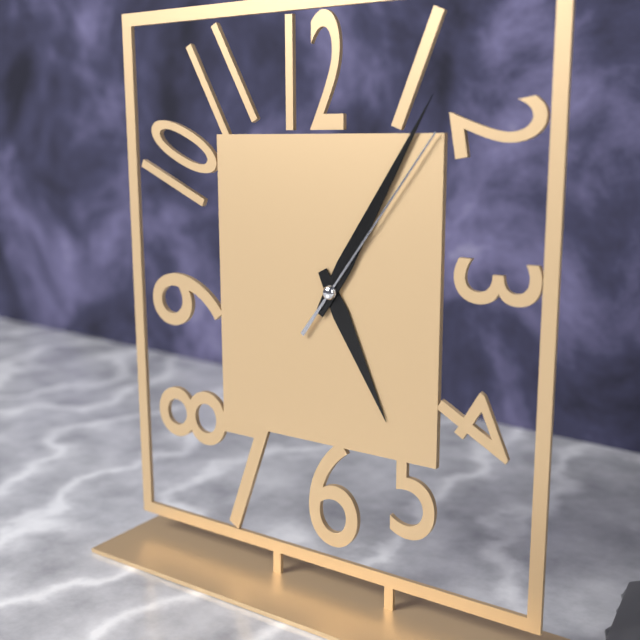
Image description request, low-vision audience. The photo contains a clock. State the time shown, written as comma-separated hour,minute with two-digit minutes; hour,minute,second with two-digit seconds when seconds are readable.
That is 5,05,06
